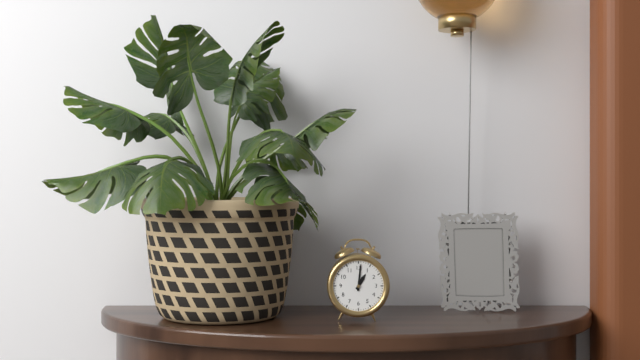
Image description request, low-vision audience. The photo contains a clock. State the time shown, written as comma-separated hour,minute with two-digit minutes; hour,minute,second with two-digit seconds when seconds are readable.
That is 1,01
